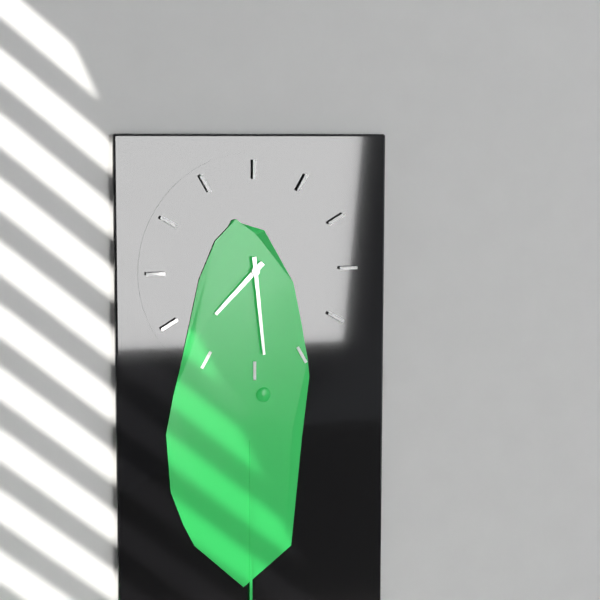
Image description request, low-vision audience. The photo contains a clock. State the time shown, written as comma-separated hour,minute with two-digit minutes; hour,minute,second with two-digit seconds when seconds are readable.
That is 7,29
